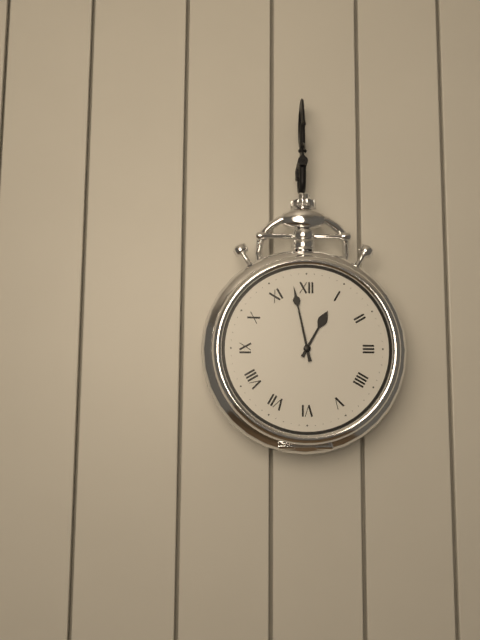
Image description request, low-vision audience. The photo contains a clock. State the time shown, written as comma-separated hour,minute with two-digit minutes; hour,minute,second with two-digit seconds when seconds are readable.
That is 12,58
